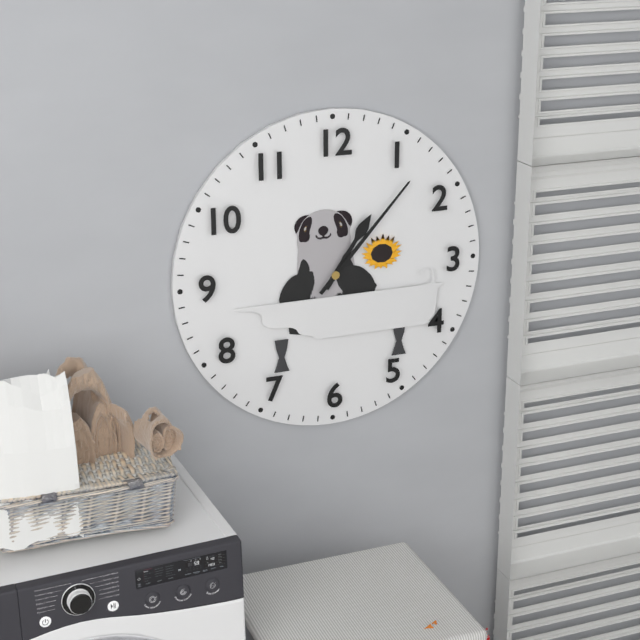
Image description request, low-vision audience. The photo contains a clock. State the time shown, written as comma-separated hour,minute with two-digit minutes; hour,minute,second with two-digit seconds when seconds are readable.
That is 1,07
